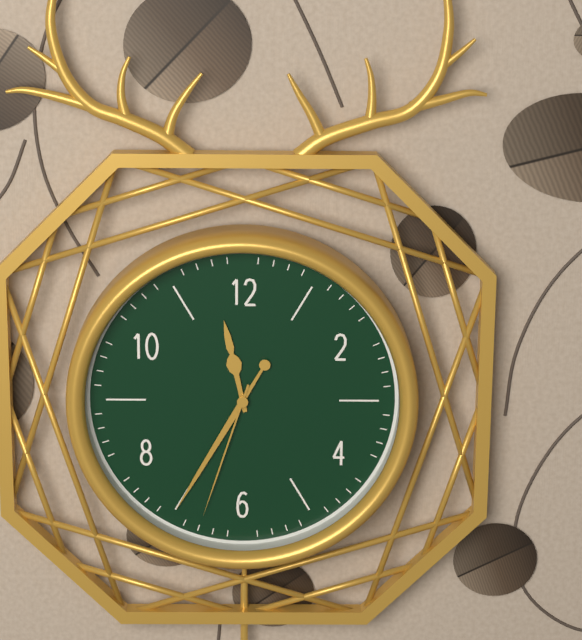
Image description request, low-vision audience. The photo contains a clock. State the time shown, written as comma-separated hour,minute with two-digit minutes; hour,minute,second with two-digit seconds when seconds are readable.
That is 11,35,33
